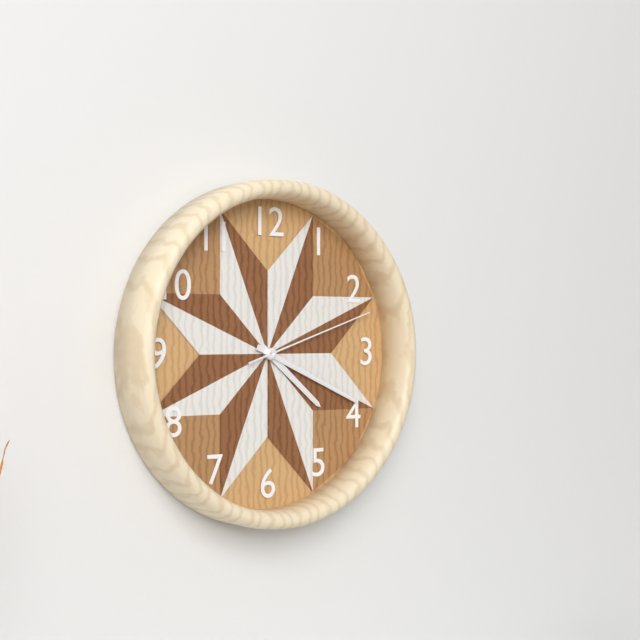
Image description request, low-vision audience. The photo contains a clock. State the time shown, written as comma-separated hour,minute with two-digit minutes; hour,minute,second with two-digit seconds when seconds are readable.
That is 4,19,12
